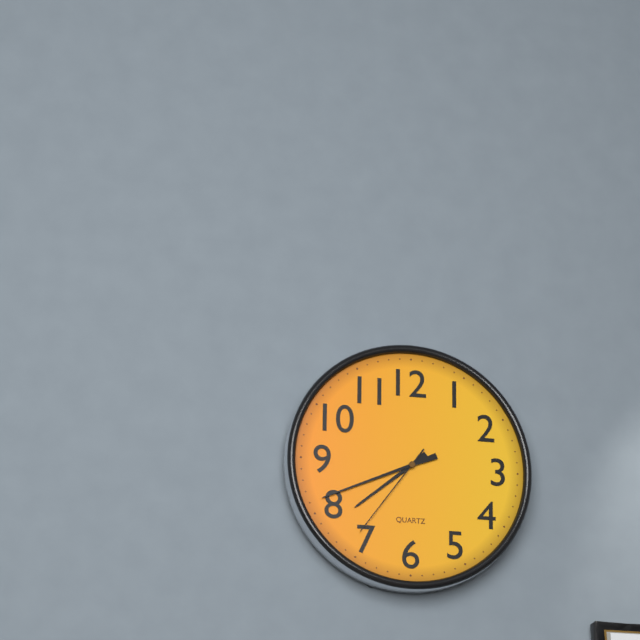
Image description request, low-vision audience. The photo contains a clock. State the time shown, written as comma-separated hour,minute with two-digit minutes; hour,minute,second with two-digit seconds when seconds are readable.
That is 7,41,36
